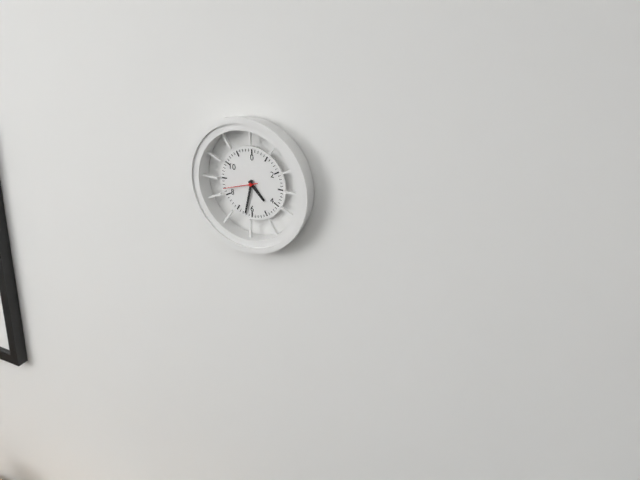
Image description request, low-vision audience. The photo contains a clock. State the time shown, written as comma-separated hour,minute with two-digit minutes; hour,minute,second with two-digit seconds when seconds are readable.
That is 4,32
